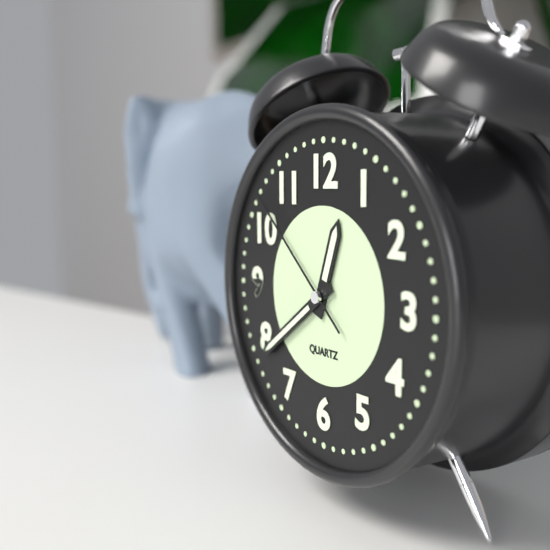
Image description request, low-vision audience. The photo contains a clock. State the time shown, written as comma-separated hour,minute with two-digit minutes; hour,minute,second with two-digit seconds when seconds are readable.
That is 12,39,52
